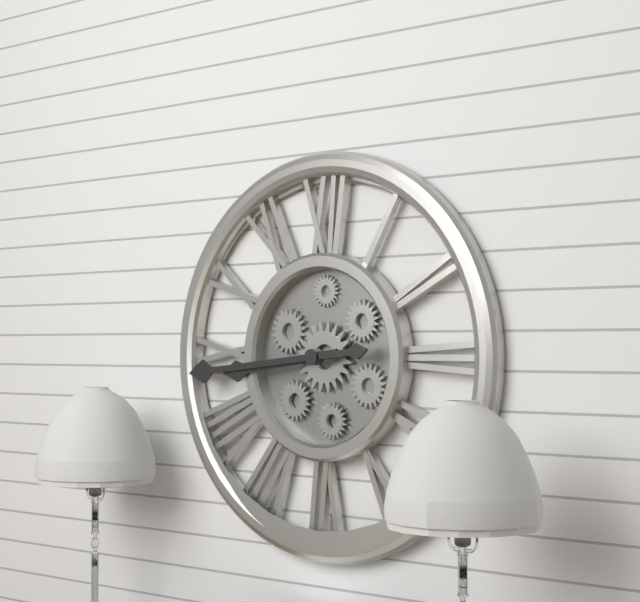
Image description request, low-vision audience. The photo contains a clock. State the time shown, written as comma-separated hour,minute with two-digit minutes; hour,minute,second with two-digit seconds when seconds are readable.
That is 8,44
